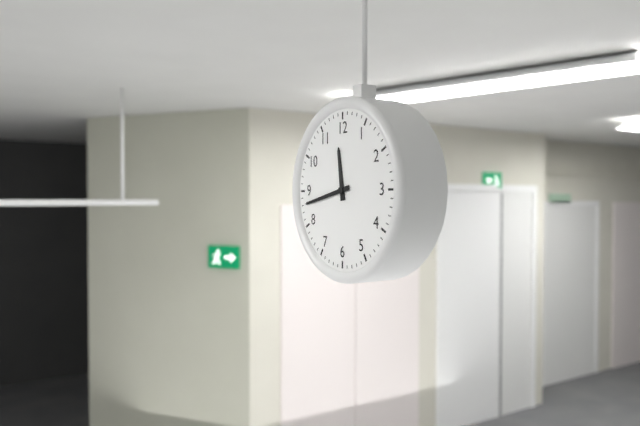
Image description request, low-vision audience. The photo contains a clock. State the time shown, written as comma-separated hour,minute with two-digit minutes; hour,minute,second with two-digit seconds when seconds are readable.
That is 11,43
